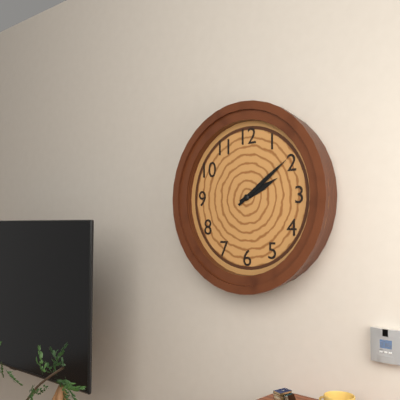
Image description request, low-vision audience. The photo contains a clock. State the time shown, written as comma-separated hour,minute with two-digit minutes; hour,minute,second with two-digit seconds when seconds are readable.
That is 2,09
